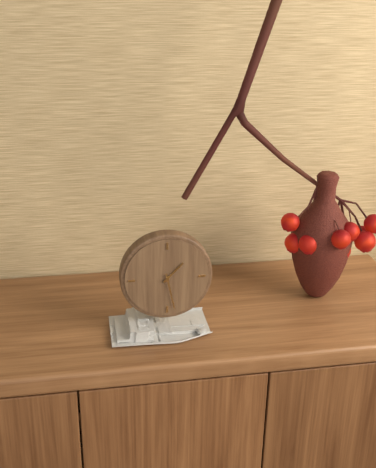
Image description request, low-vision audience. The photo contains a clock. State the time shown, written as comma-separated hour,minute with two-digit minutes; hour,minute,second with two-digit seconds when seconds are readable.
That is 1,28
